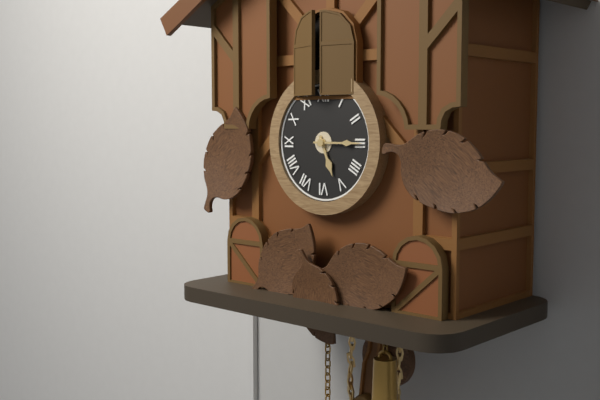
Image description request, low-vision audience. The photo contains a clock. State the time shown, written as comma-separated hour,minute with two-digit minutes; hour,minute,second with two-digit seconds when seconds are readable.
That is 5,15
